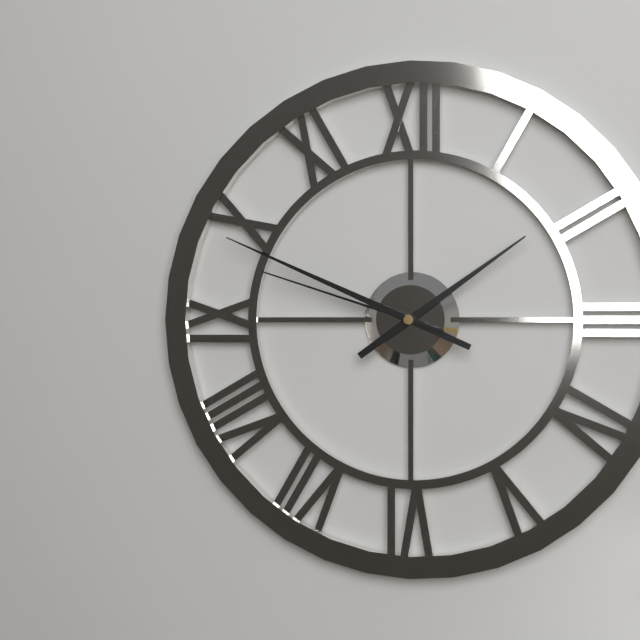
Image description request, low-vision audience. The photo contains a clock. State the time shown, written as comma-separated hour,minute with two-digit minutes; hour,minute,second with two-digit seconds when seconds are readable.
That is 1,49,48
